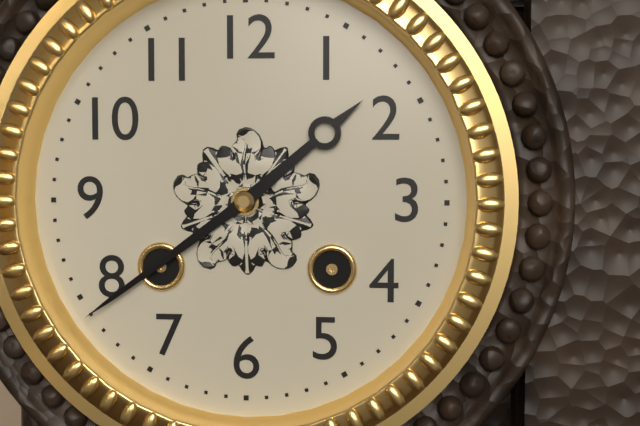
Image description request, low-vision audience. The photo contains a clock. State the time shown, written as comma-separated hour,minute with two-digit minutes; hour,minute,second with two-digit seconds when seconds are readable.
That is 1,39
